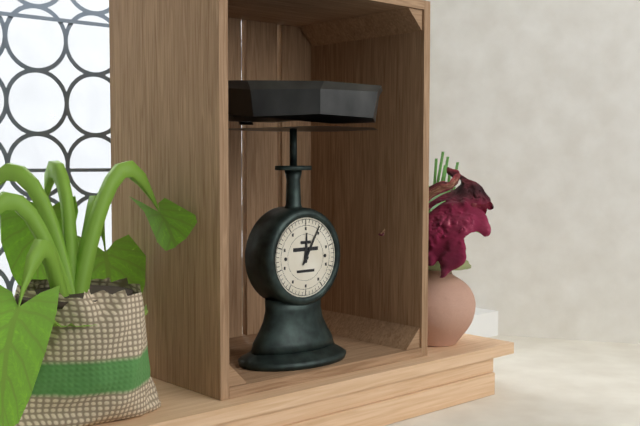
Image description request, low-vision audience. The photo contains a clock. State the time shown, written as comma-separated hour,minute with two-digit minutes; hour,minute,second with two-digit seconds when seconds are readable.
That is 12,05
